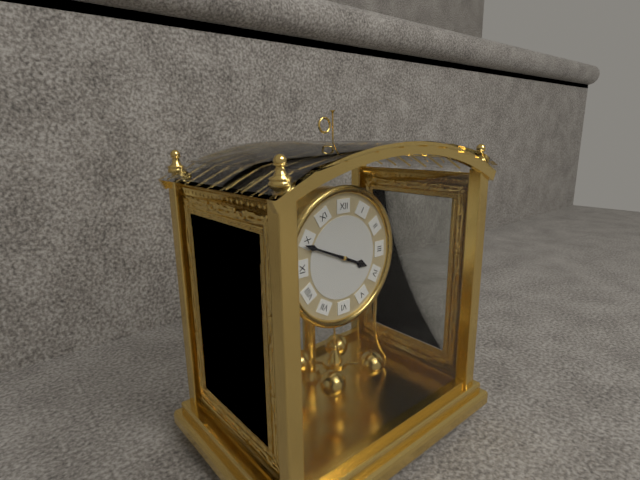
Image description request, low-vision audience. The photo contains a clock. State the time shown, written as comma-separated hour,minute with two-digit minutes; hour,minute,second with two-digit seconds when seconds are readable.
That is 3,49
